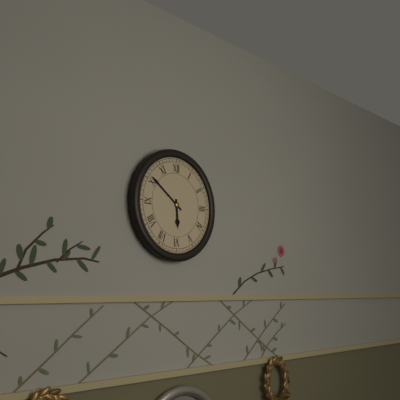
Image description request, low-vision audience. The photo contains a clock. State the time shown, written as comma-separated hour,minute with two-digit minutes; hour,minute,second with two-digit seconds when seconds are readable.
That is 5,51
